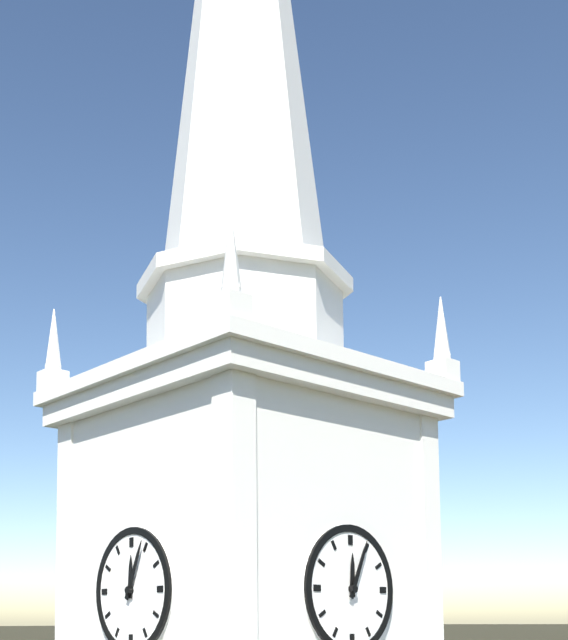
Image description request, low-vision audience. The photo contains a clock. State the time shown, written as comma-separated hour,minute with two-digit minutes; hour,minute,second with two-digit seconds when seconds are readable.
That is 12,04
